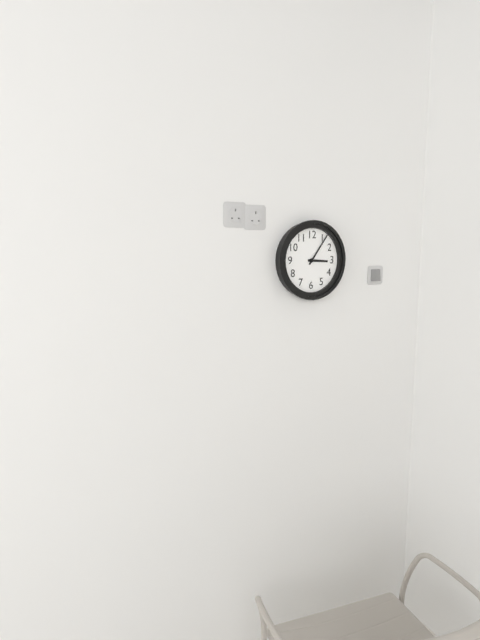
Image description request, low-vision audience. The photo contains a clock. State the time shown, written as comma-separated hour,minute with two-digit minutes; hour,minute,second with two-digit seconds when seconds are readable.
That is 3,06
